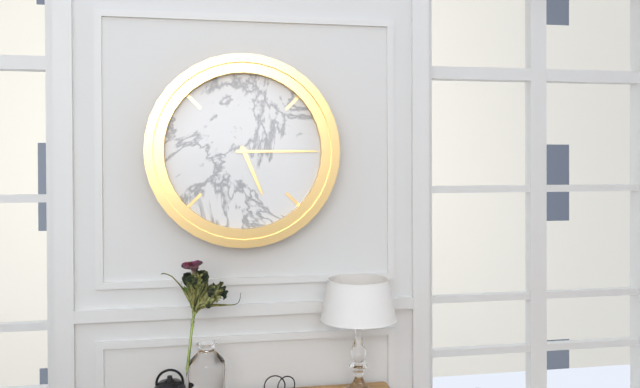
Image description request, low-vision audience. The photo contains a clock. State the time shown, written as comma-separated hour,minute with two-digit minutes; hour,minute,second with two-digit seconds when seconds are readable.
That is 5,15
